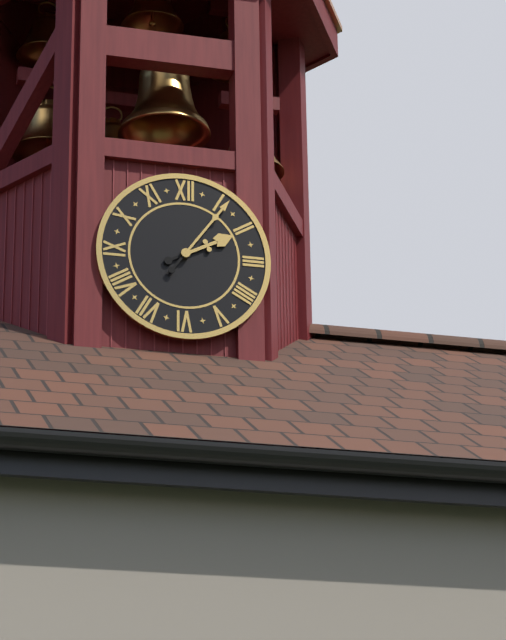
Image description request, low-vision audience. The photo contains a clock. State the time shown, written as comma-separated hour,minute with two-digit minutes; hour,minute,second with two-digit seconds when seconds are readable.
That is 2,06
